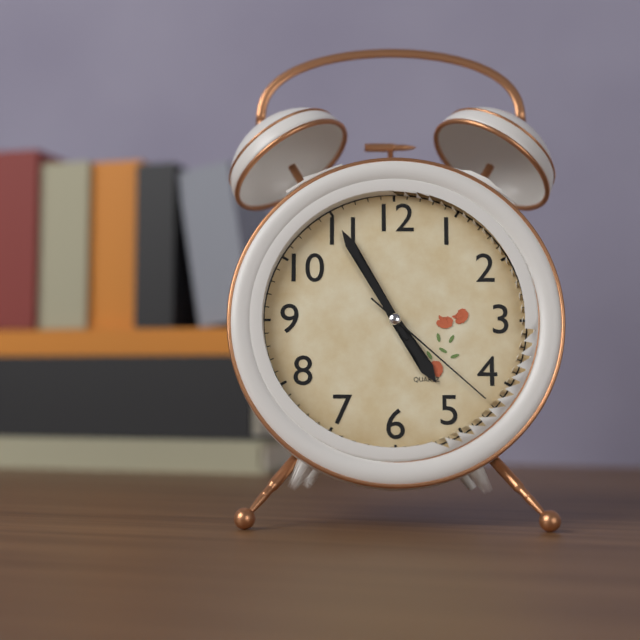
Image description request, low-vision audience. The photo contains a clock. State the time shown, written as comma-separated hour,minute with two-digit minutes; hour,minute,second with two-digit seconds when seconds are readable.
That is 4,55,22
